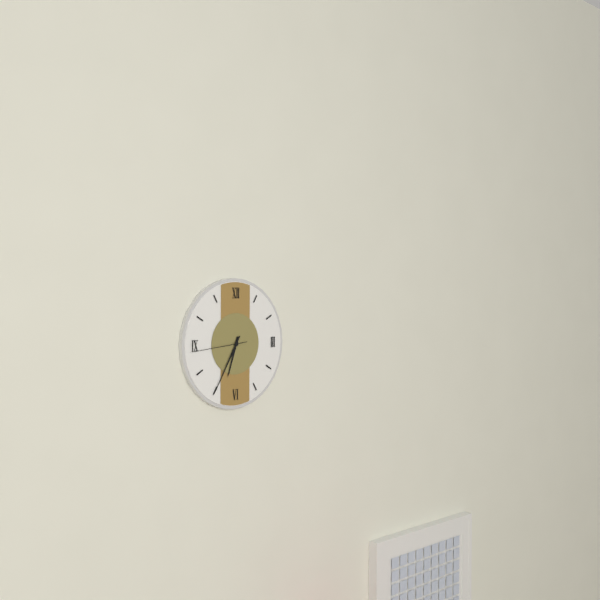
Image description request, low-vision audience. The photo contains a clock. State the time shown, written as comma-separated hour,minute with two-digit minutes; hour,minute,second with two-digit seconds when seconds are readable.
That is 6,35,44
